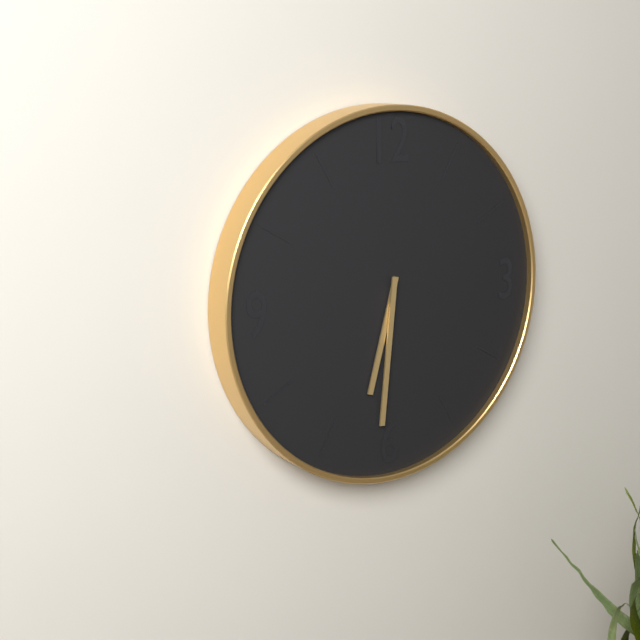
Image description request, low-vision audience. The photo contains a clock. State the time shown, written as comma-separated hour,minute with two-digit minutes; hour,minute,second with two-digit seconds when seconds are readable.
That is 6,31
